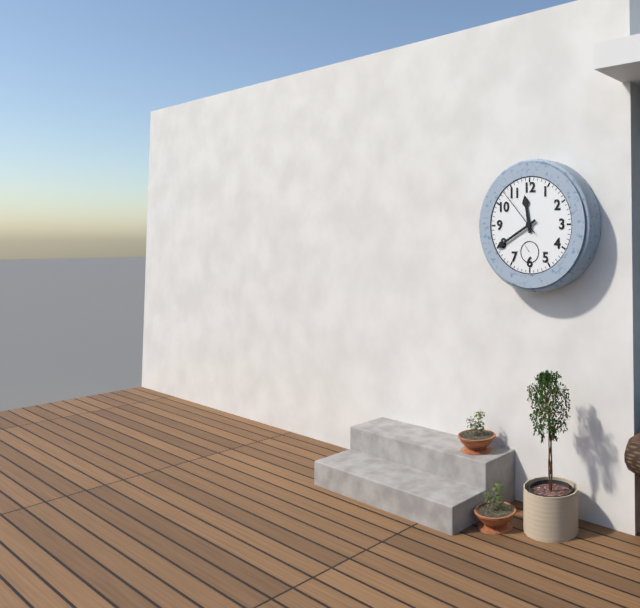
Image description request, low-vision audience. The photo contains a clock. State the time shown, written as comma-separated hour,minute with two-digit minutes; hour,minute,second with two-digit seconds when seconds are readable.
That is 11,40,53
